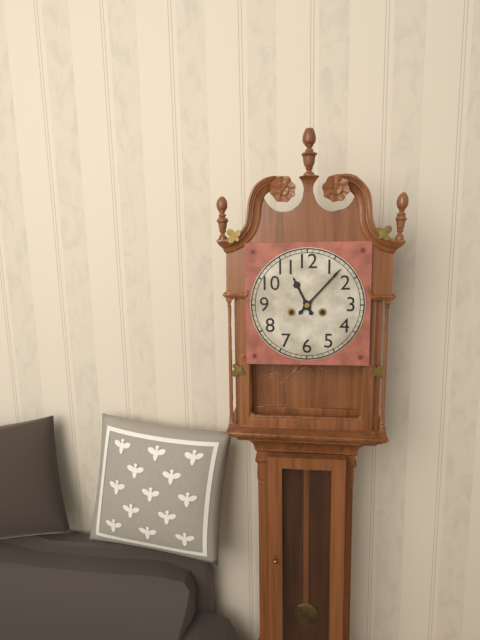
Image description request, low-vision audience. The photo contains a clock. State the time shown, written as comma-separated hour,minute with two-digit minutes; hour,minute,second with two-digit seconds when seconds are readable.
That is 11,07
